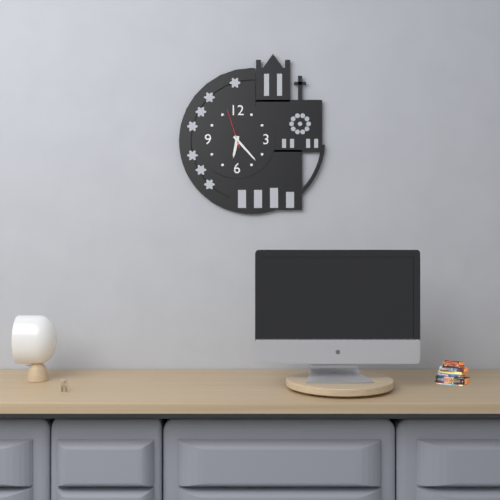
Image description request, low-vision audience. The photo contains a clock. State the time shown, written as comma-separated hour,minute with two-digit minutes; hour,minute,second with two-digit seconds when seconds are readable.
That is 6,23
